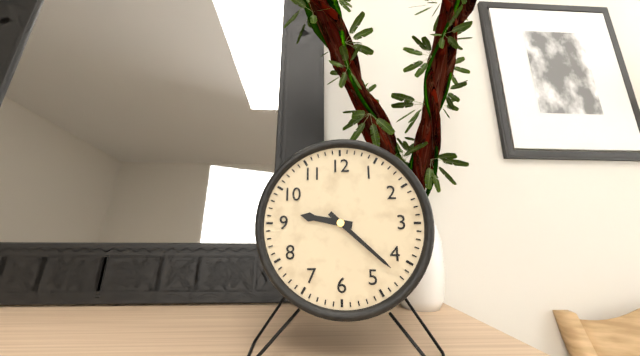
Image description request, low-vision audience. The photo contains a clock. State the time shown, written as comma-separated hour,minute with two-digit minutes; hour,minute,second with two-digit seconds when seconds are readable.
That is 9,22
